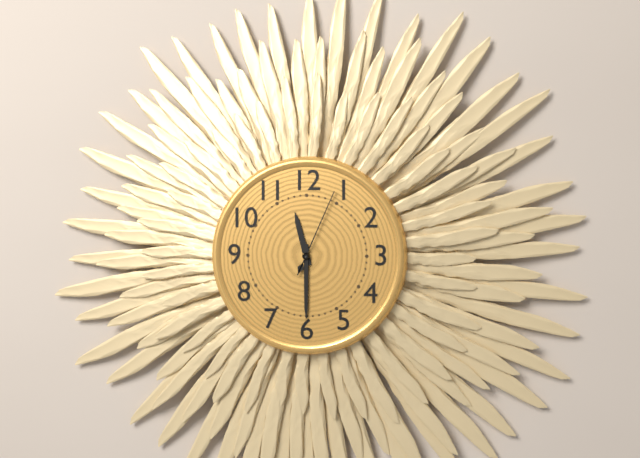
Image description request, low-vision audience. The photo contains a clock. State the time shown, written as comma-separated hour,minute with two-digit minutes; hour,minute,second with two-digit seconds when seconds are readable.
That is 11,30,04
